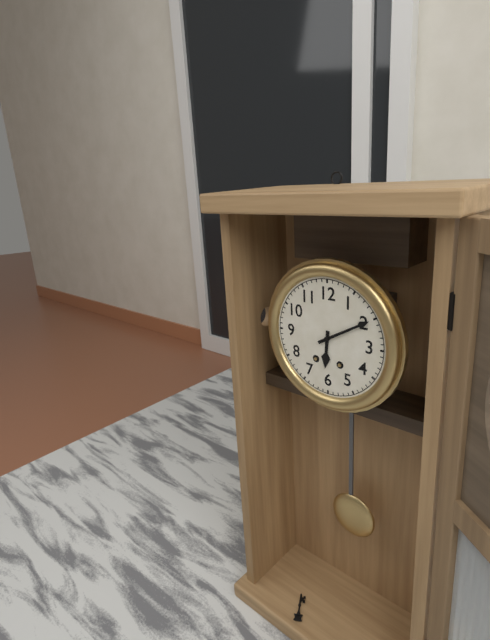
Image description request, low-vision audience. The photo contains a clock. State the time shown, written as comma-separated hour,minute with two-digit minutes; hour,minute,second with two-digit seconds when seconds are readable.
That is 6,10
